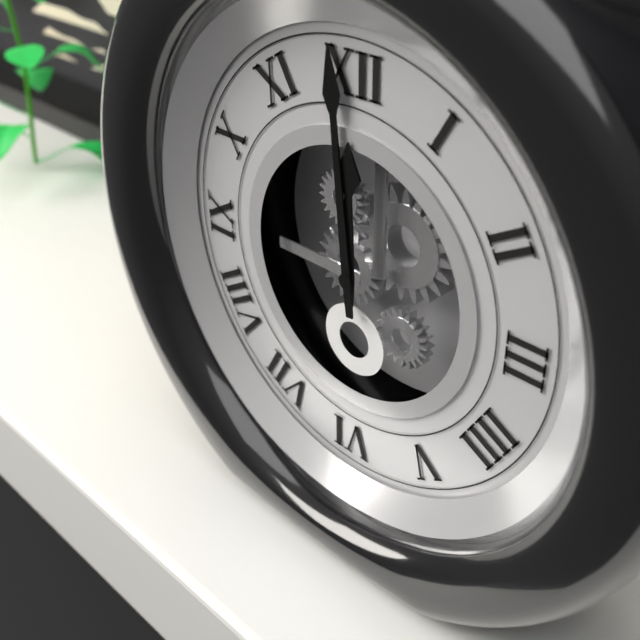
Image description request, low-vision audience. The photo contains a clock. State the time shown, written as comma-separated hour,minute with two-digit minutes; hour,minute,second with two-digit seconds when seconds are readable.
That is 11,59
